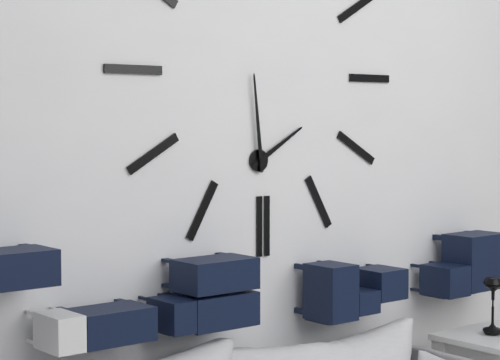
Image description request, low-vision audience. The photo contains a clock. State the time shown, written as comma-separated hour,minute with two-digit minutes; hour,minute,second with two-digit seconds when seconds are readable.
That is 1,59
